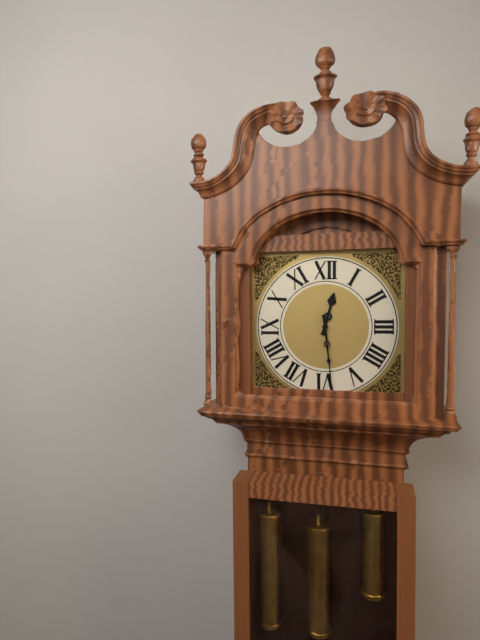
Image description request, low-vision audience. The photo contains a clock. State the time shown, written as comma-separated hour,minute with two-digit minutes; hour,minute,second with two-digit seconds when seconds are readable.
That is 12,29
